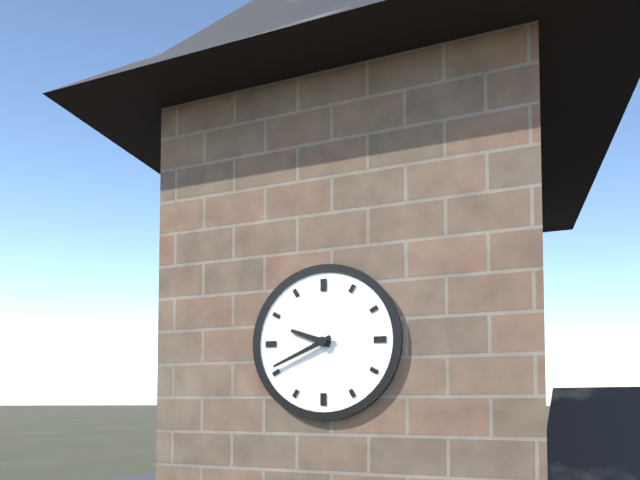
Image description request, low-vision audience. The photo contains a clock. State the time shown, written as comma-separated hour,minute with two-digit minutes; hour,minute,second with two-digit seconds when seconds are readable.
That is 9,41
